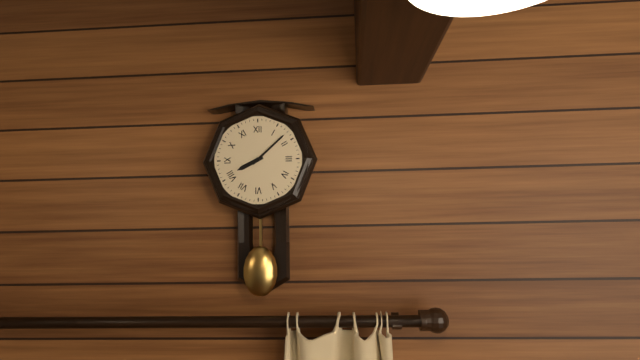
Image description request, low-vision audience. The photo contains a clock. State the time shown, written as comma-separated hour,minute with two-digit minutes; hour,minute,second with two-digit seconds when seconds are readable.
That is 8,08
